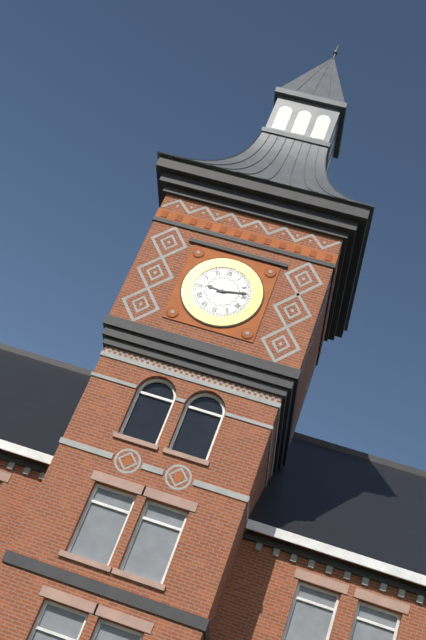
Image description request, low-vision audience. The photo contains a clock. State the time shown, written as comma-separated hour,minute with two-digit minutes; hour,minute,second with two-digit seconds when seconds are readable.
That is 9,13
